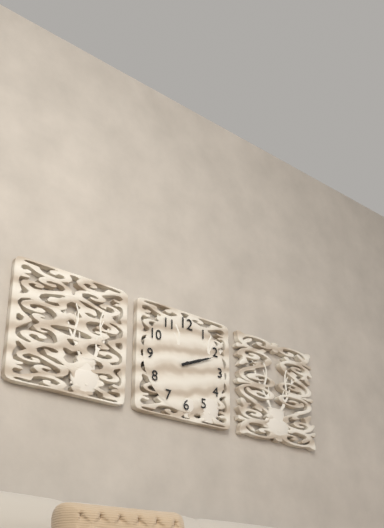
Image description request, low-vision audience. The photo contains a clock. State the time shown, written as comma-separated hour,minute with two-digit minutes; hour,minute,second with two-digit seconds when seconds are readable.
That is 2,11
